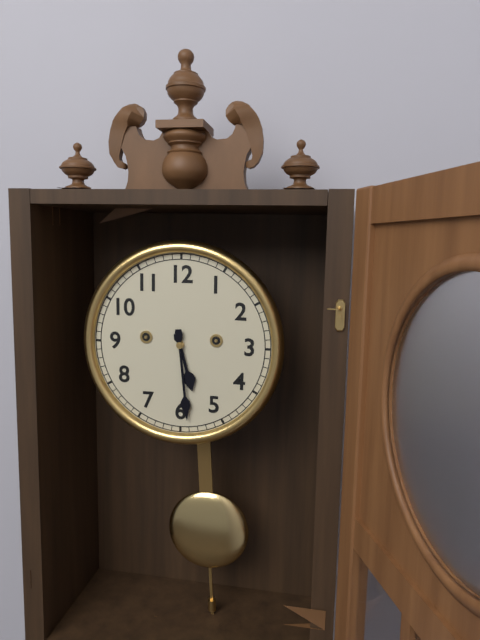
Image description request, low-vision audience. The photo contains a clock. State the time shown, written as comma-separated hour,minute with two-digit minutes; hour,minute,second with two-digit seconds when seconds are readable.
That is 5,29
